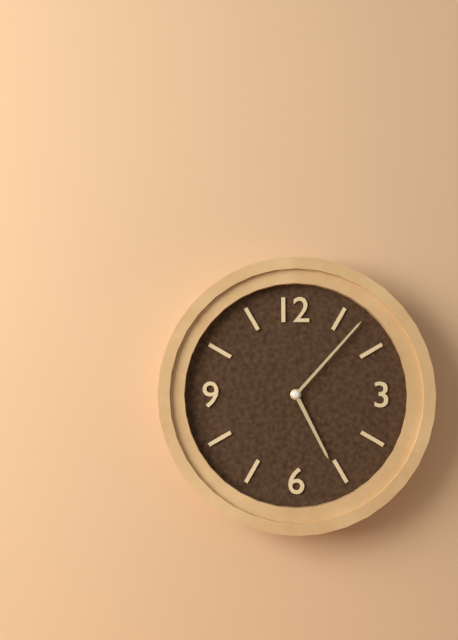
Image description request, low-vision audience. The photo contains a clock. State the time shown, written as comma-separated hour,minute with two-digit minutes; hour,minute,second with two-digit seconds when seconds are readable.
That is 5,07
